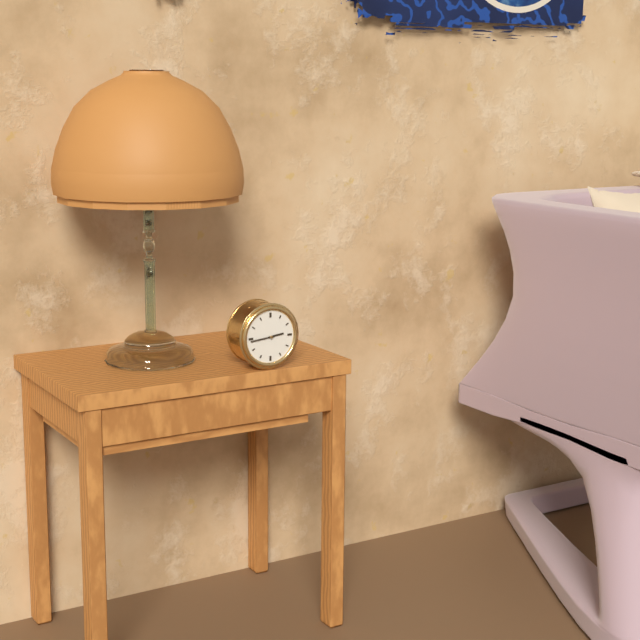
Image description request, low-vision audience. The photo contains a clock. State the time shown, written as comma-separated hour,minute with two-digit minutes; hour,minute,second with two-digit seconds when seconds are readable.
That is 2,44
